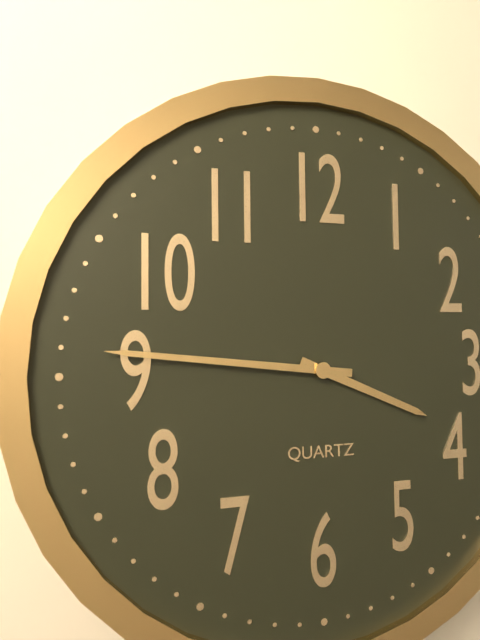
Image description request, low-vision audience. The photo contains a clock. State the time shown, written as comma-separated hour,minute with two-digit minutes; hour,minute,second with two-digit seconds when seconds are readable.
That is 3,46
